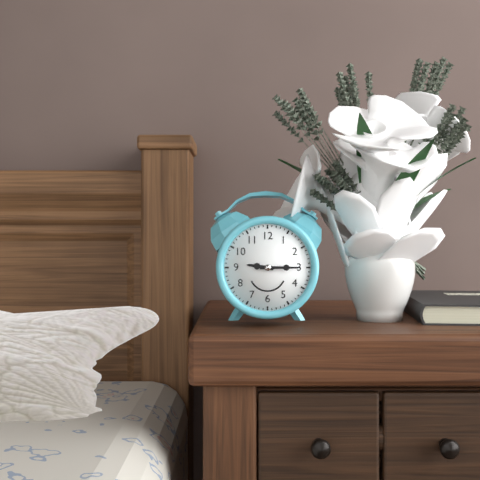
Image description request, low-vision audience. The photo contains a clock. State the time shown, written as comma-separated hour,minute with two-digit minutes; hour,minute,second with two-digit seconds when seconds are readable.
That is 9,15
